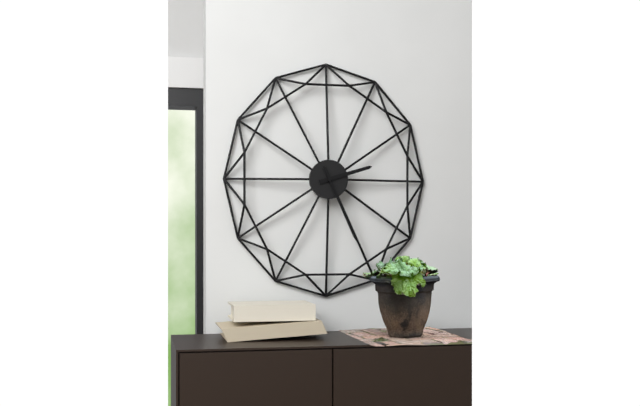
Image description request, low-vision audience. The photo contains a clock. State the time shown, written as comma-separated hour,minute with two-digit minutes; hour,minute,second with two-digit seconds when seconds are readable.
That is 2,26
